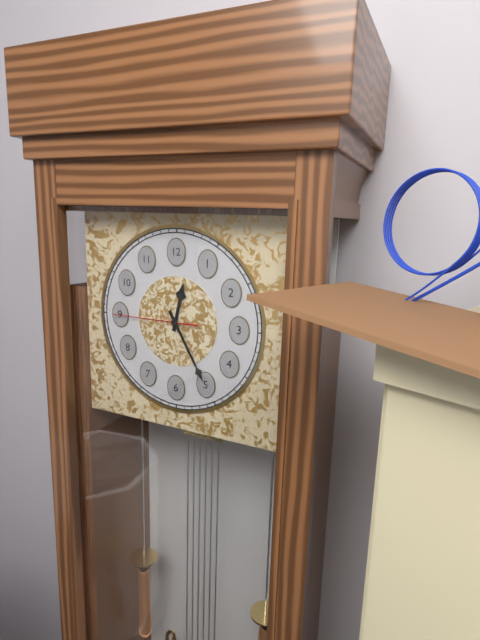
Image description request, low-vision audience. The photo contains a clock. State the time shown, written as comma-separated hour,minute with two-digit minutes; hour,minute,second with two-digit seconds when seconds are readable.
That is 12,25,45
